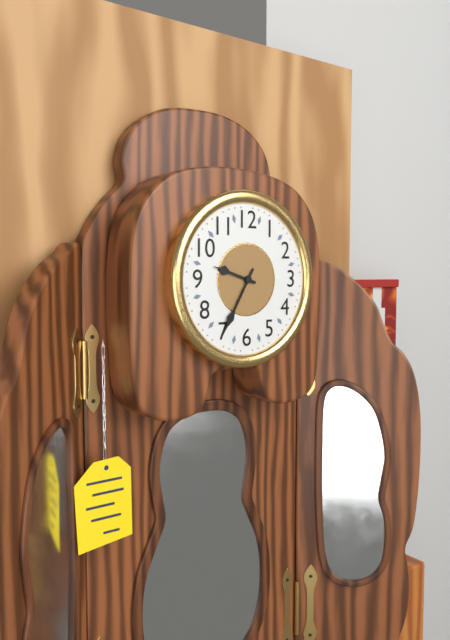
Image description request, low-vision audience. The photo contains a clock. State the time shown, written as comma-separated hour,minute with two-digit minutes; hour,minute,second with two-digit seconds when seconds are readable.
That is 9,35
